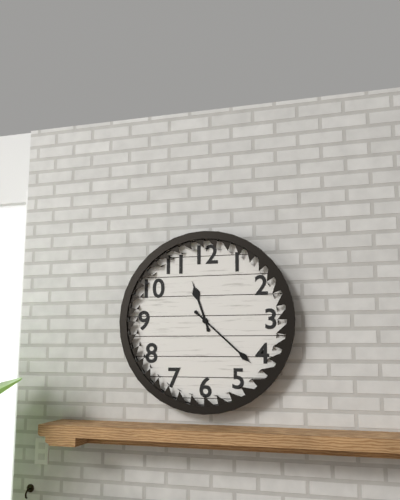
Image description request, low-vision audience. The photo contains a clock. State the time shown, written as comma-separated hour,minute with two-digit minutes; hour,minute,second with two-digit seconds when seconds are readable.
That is 11,22
